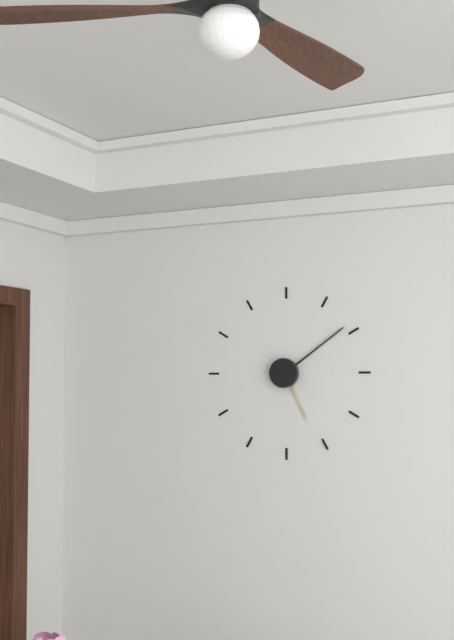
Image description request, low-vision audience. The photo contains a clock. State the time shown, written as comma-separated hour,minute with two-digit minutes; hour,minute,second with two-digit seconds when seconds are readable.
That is 5,09
